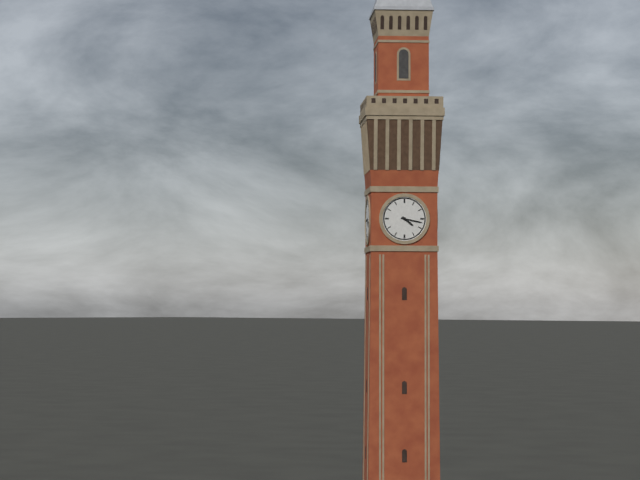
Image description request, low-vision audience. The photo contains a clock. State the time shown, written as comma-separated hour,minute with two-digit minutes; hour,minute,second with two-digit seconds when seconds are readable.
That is 4,17
